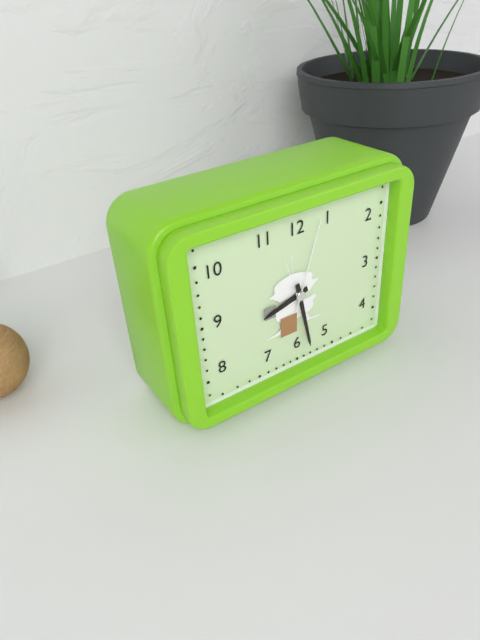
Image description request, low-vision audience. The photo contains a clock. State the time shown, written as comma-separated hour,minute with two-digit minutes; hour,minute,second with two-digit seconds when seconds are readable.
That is 8,28,03
